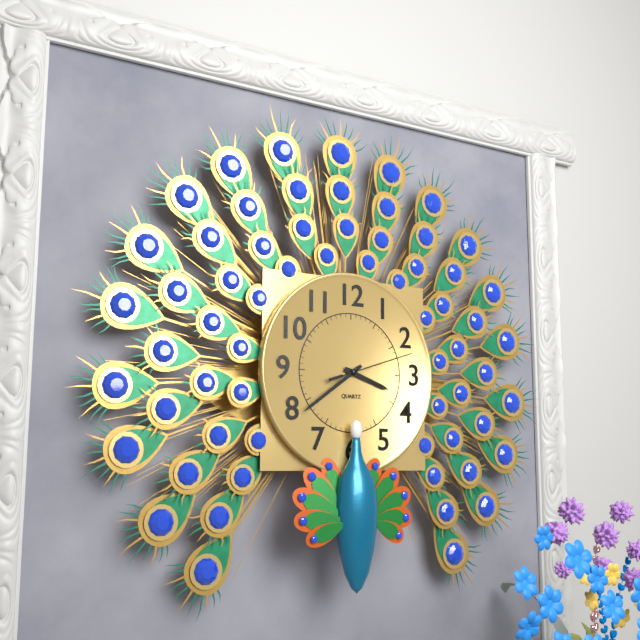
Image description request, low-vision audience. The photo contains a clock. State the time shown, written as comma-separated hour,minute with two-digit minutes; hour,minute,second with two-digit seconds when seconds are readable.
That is 3,39,12
